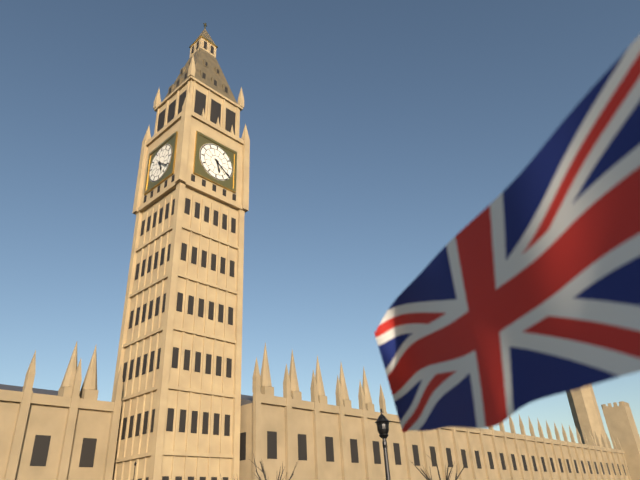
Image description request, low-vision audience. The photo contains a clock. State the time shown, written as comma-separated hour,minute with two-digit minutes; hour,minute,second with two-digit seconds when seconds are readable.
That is 5,21
